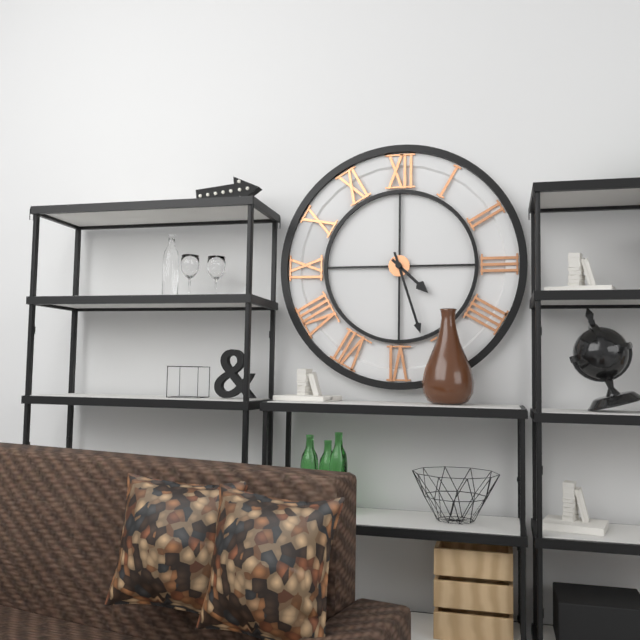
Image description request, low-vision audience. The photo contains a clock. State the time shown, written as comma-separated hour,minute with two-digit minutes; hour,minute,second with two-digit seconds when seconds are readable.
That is 4,27
